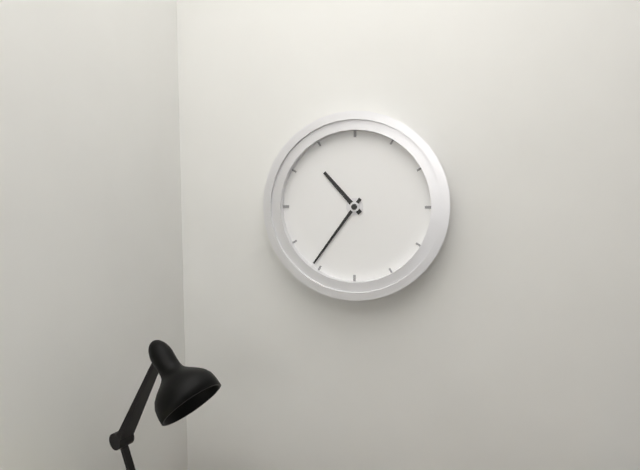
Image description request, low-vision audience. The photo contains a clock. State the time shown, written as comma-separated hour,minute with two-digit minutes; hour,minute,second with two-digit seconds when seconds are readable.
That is 10,36
